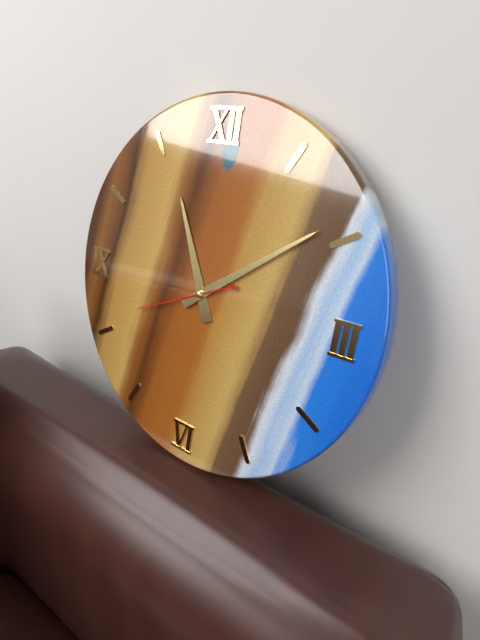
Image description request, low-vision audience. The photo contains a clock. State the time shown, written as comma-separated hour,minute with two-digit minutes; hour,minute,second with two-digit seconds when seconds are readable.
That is 11,09,41
